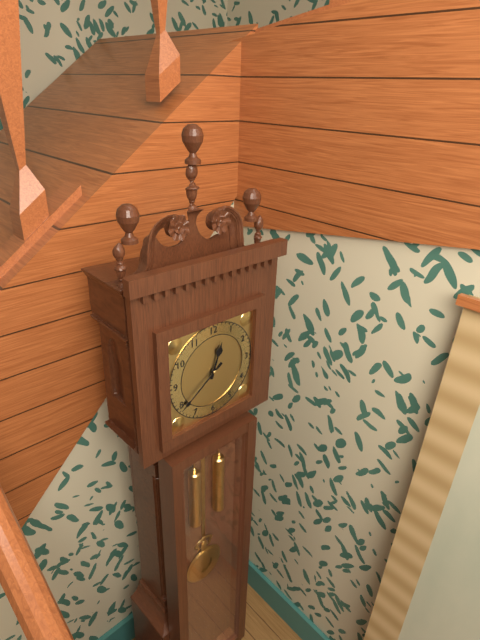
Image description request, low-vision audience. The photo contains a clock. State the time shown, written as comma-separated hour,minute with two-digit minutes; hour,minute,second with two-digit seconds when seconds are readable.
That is 12,39
